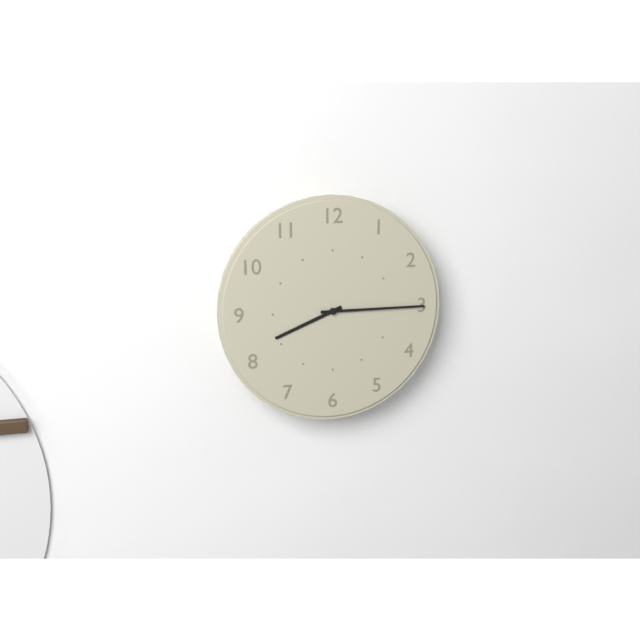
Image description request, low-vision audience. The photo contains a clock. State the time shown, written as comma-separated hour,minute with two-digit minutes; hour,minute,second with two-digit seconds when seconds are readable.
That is 8,15
